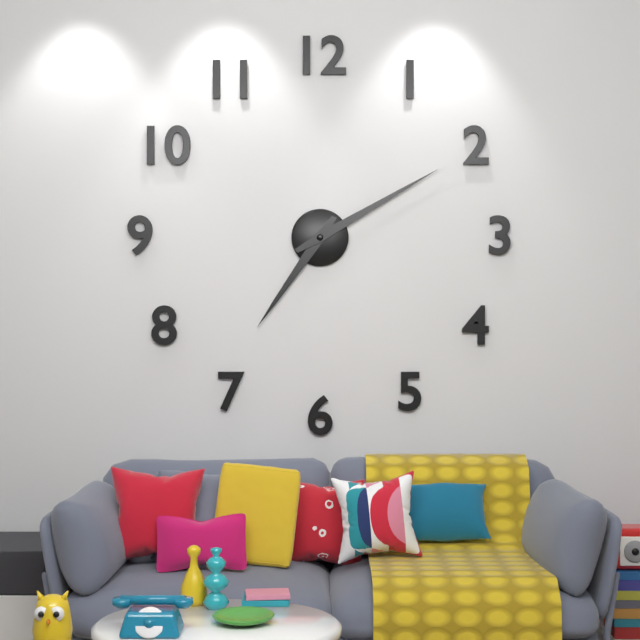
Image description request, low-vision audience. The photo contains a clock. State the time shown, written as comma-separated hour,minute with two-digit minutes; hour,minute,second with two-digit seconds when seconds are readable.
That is 7,10
